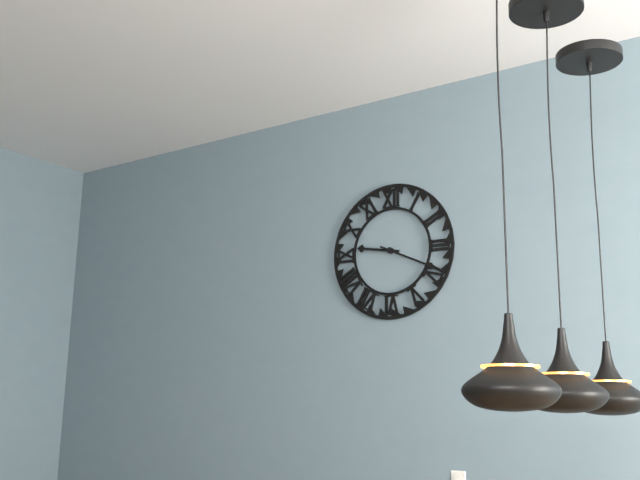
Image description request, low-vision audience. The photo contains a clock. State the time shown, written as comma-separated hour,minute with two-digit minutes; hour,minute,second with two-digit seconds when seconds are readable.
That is 9,19
